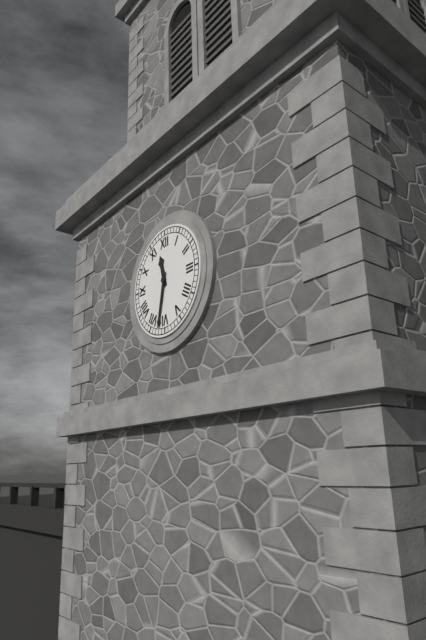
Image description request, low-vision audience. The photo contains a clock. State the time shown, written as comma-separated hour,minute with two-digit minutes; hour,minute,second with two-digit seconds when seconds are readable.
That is 11,32
